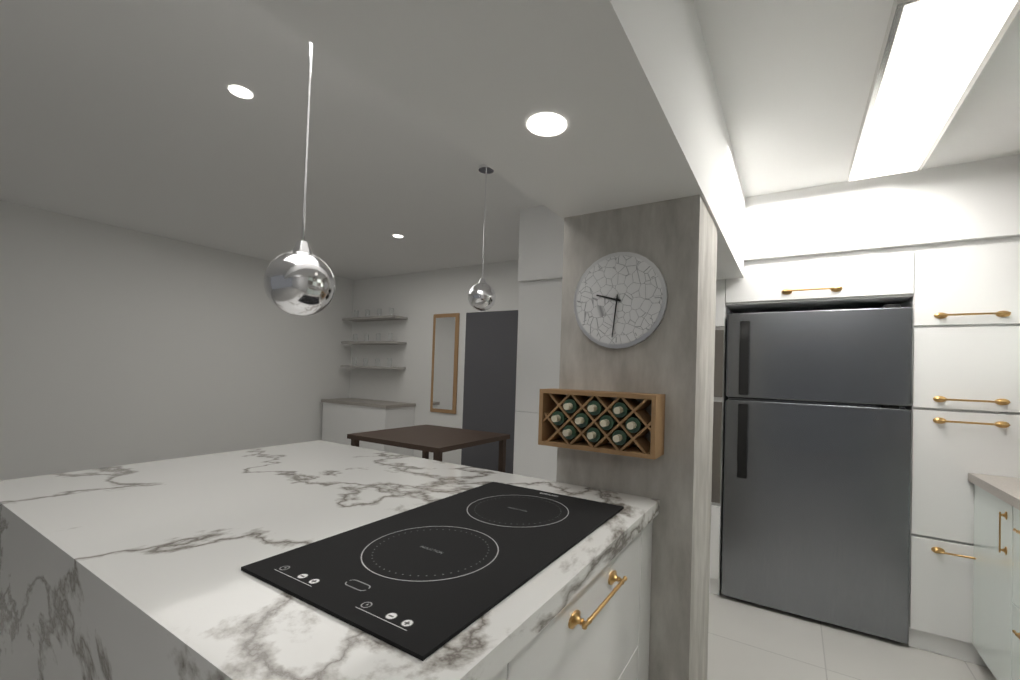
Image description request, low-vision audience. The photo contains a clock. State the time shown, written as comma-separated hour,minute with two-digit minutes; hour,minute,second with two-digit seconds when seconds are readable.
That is 9,31
